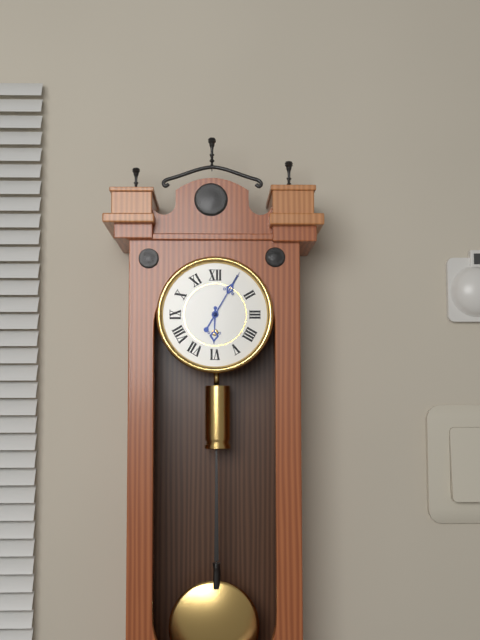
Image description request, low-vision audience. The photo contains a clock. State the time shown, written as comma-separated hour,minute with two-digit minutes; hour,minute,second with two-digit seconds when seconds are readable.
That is 6,05
